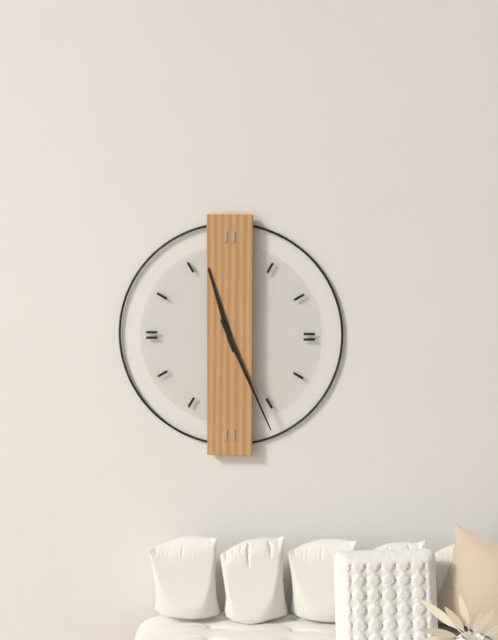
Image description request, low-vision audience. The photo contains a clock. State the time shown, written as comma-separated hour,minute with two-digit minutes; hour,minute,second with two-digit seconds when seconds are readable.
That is 11,26
